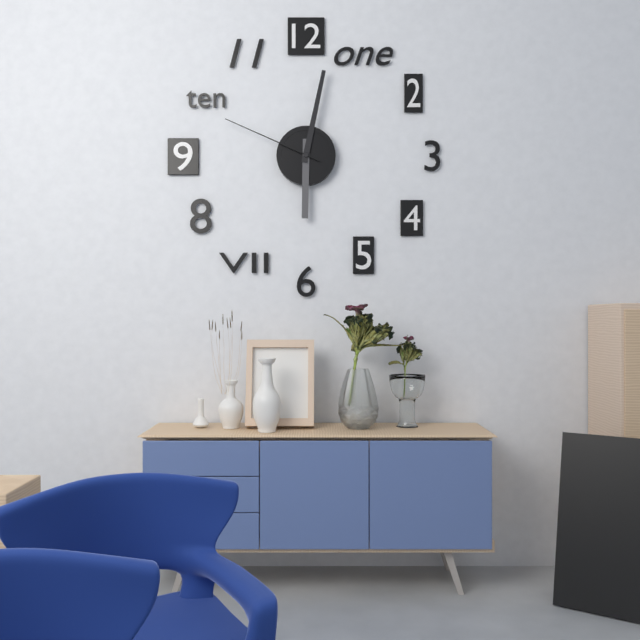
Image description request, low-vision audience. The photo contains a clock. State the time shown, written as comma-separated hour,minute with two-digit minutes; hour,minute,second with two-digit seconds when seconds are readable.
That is 6,02,49
